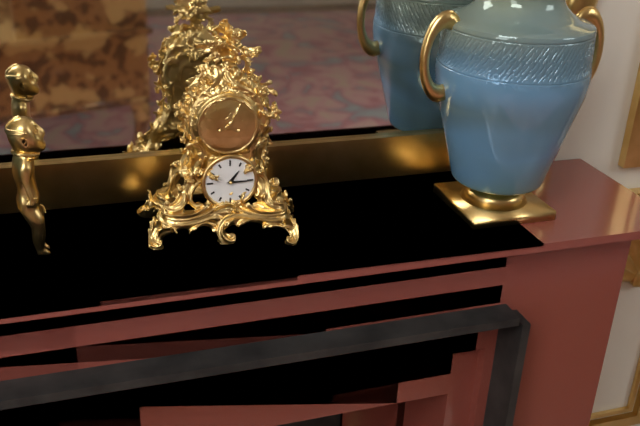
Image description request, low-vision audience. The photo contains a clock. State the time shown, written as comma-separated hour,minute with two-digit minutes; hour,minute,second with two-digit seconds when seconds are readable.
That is 1,15
